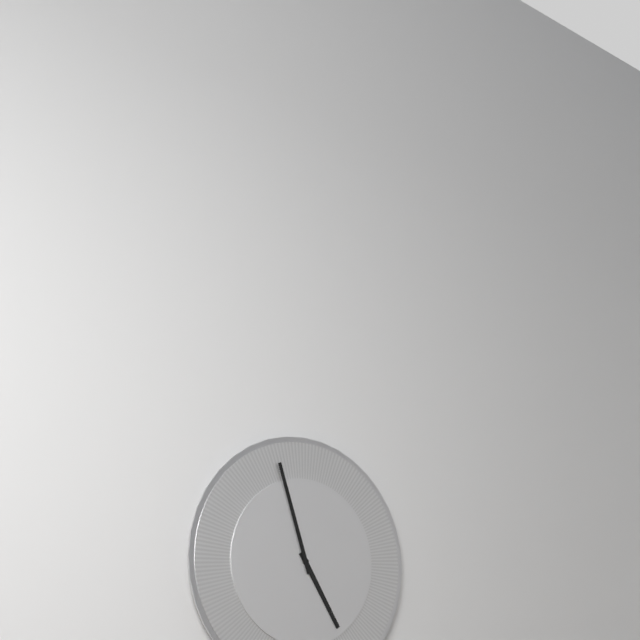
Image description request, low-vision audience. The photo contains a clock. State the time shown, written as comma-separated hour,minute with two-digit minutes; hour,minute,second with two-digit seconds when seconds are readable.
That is 4,57
